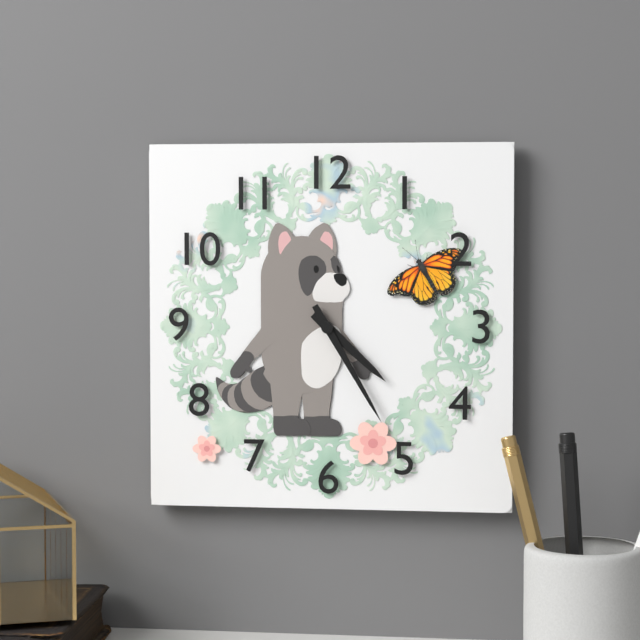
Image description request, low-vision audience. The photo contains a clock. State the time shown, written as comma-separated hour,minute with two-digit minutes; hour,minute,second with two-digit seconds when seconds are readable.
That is 4,25
